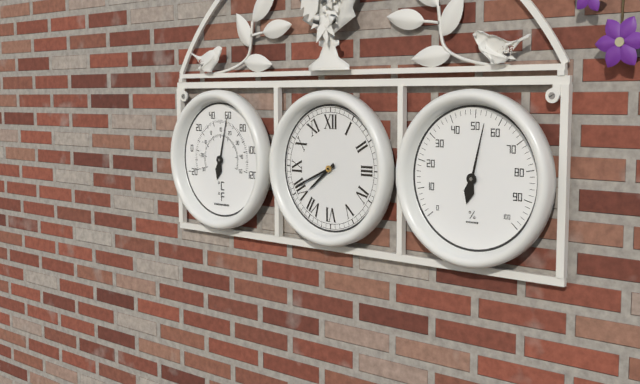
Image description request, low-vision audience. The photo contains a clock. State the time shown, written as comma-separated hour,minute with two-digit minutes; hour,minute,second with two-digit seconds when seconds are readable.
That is 7,41
